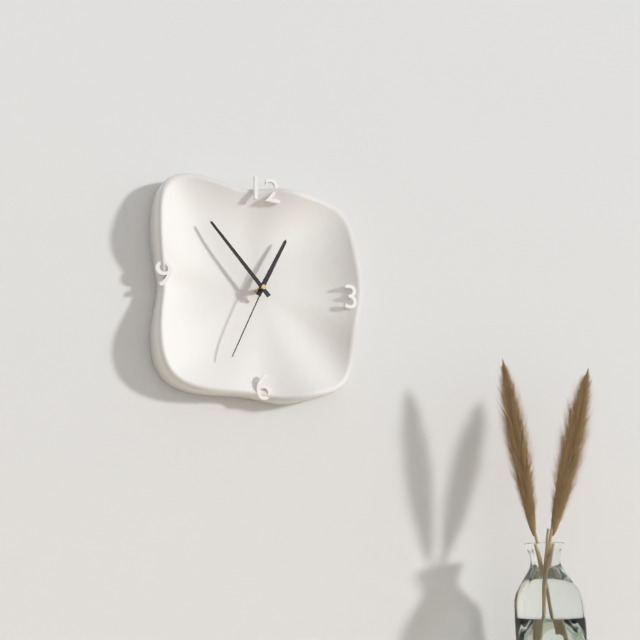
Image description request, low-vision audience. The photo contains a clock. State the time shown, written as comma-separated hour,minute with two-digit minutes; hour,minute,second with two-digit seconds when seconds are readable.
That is 12,53,34
